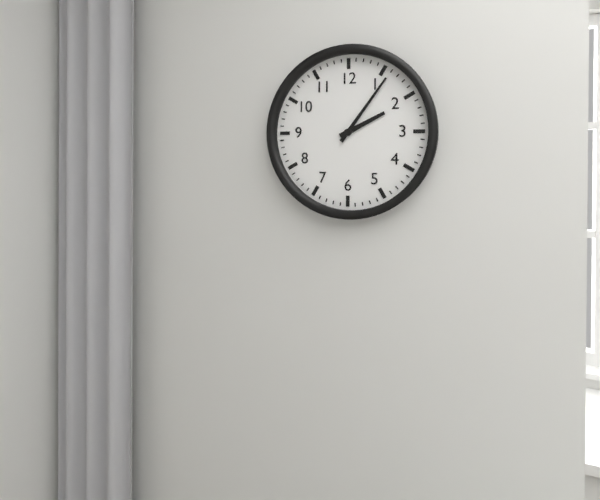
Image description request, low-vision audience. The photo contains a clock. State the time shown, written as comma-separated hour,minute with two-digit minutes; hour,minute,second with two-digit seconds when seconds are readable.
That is 2,06
